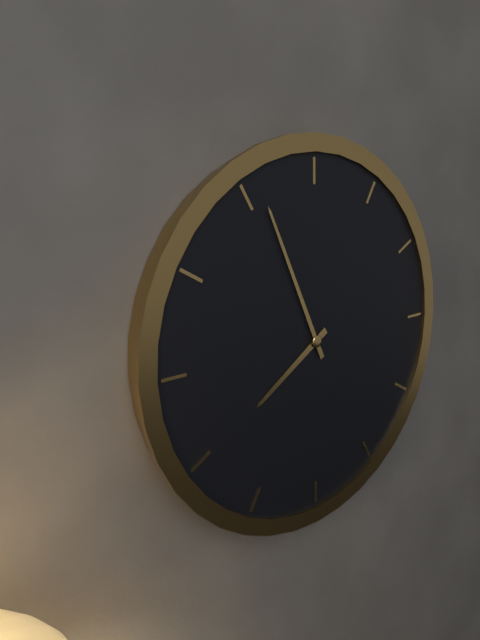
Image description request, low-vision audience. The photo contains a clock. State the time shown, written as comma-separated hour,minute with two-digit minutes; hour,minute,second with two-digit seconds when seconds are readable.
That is 7,56
